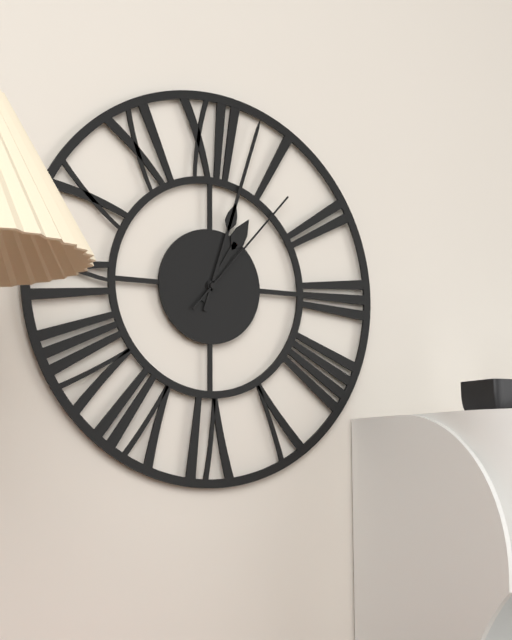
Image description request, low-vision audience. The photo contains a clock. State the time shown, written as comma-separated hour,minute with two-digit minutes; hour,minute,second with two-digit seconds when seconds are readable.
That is 1,03,07
